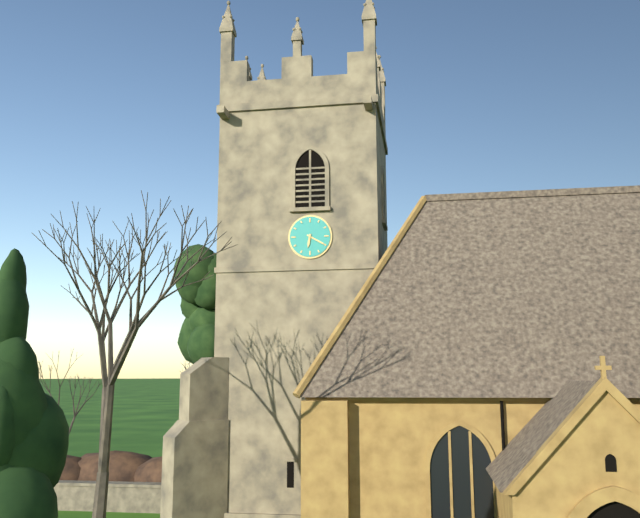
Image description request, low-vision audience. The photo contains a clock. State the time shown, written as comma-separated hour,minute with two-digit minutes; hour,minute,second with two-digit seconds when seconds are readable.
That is 6,20
